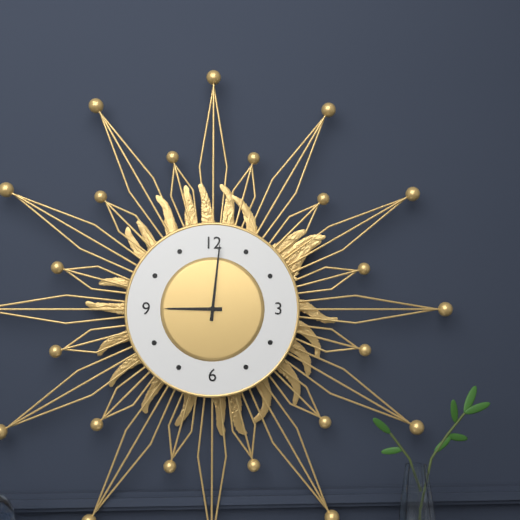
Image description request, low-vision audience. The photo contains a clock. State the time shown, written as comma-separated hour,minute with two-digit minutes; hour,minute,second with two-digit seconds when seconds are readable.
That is 9,01
